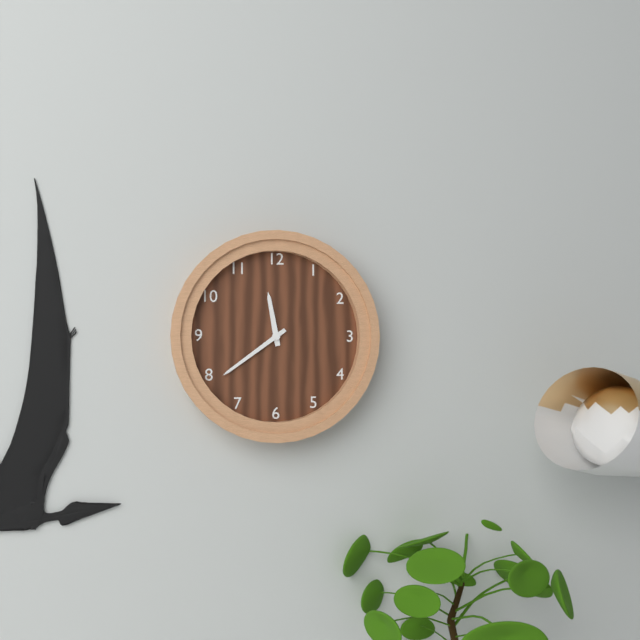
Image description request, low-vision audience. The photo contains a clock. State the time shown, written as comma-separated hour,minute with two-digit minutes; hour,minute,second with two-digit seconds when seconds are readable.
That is 11,39
